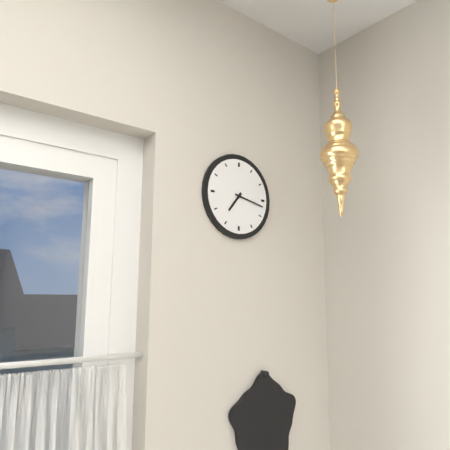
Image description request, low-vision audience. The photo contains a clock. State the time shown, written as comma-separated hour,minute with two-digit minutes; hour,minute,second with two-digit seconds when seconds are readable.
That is 7,17
